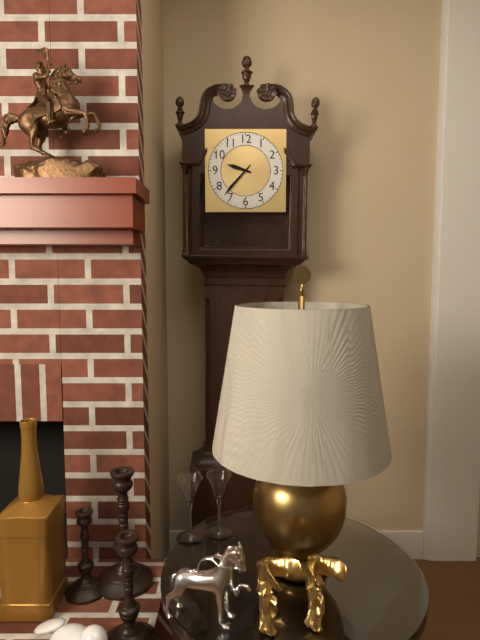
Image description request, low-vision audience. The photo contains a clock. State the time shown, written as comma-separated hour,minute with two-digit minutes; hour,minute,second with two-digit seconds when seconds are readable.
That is 9,37
